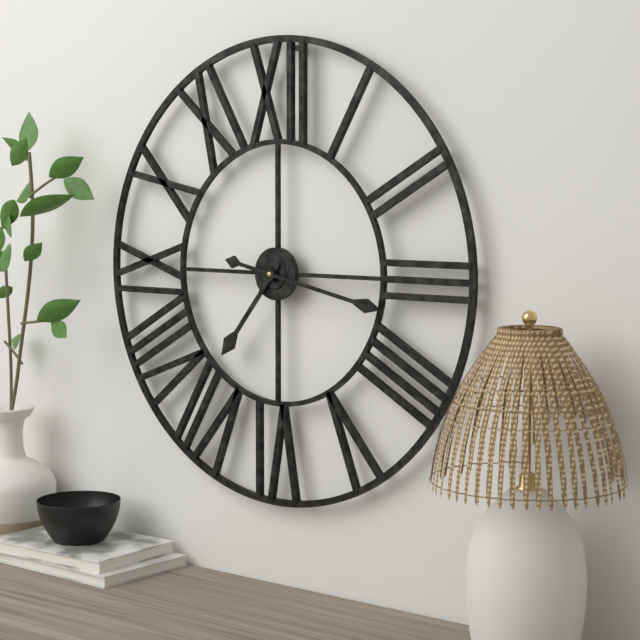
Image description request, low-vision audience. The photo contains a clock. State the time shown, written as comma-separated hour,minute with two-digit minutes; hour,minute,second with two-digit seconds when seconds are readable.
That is 7,17
